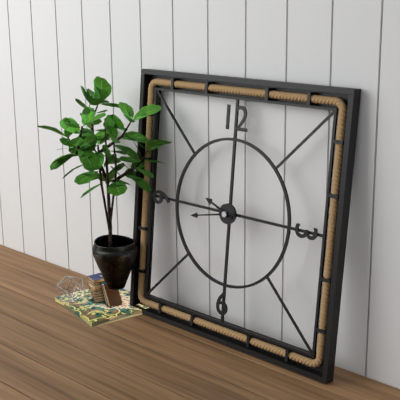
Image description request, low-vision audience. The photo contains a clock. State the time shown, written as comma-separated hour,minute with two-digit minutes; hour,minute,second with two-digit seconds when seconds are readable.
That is 9,43
